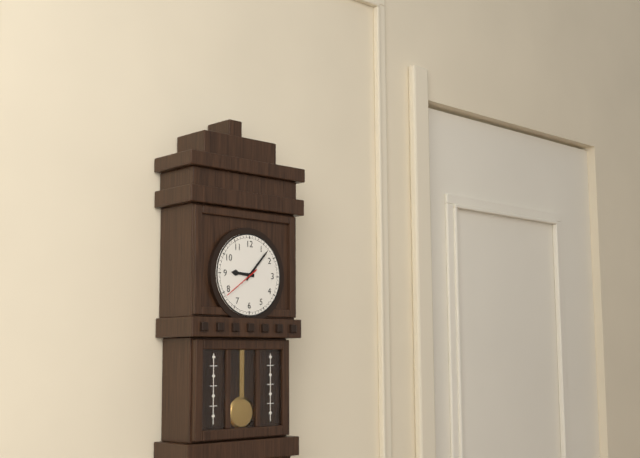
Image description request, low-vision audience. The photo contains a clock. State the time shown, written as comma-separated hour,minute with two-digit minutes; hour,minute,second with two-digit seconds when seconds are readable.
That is 9,07
